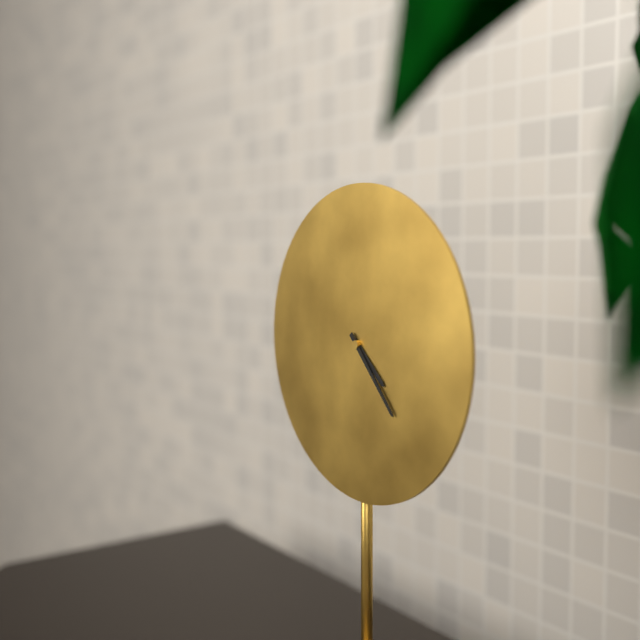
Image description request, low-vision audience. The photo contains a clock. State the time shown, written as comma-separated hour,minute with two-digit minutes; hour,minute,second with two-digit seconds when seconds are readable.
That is 4,23
